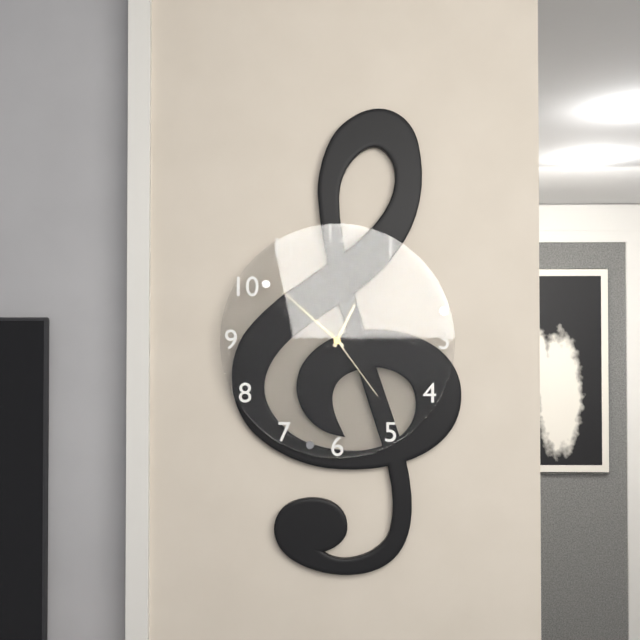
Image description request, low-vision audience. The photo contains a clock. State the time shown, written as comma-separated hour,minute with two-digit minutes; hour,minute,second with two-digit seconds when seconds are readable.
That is 12,52,24
